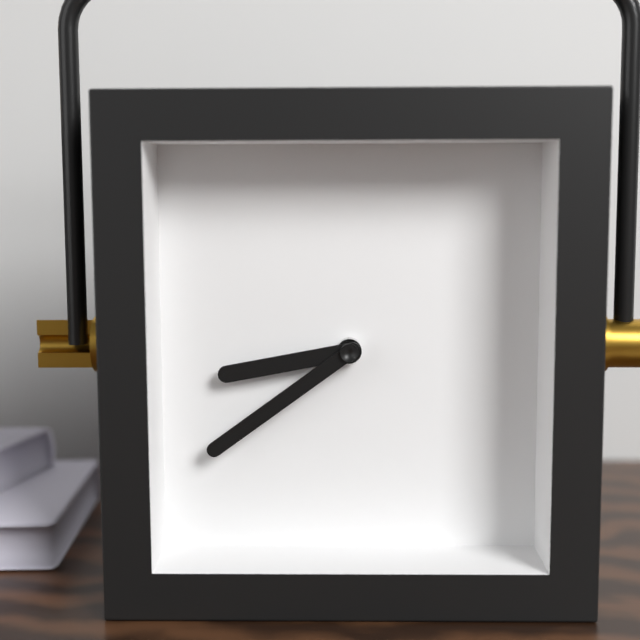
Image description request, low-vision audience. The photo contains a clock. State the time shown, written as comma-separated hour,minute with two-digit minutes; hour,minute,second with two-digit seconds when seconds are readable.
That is 8,39
